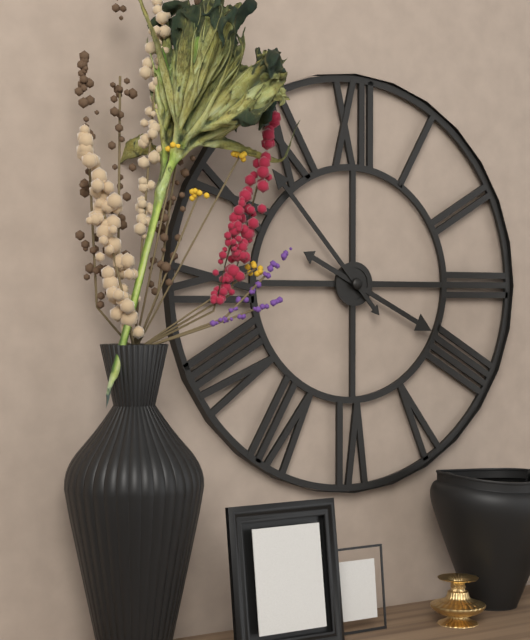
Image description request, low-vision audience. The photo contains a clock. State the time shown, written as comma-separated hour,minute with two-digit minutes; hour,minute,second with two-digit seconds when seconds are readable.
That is 3,53
